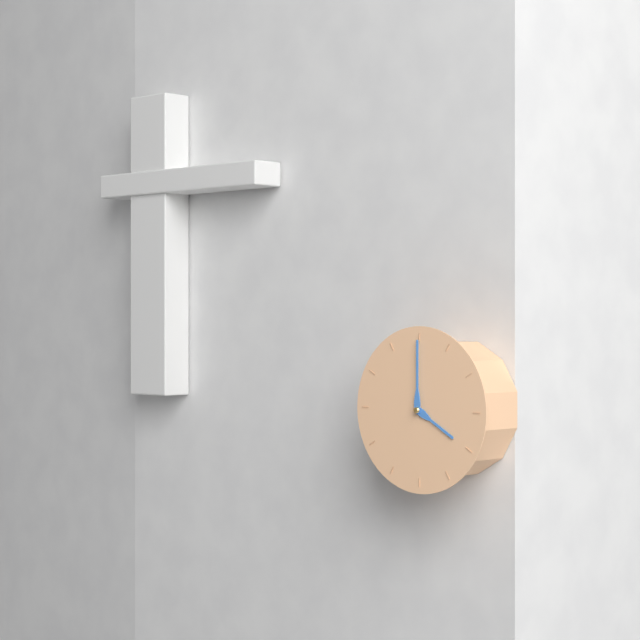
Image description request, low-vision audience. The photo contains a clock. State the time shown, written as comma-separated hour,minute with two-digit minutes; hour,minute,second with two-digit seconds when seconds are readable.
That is 4,00
